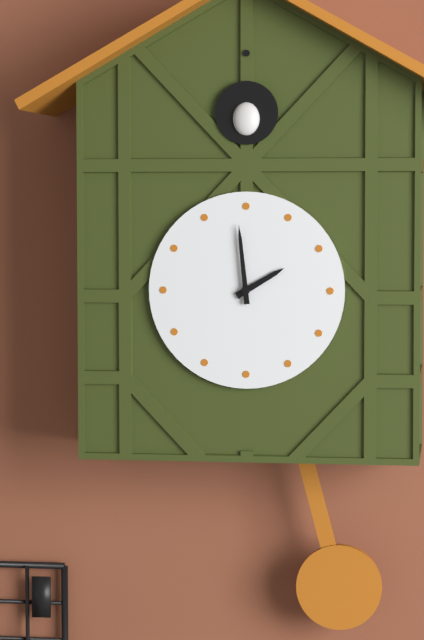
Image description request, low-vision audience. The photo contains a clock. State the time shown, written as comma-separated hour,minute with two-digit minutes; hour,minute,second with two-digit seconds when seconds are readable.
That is 1,59
